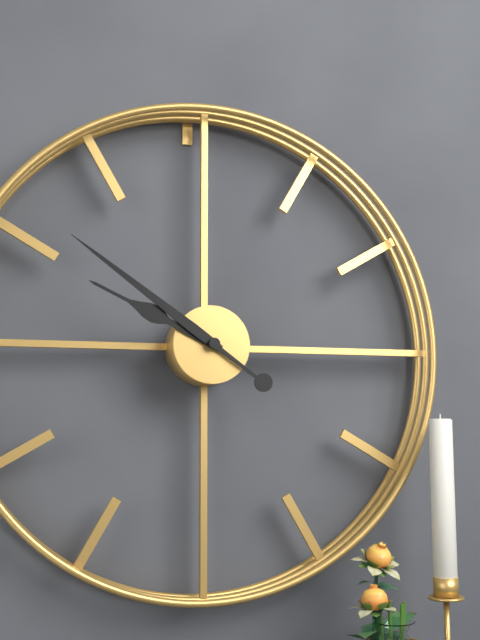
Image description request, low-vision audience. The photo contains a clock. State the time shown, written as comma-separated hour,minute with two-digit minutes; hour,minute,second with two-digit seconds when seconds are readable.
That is 9,51
